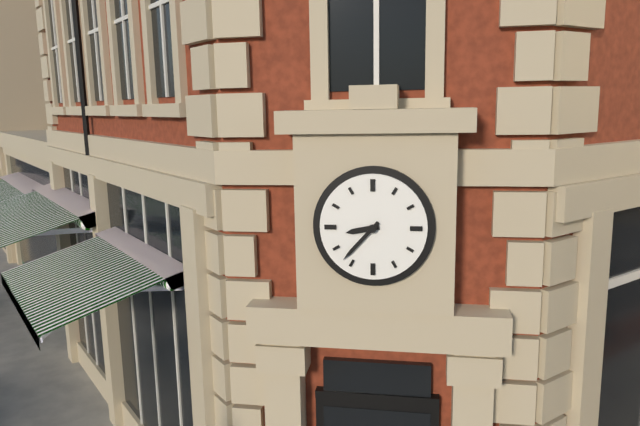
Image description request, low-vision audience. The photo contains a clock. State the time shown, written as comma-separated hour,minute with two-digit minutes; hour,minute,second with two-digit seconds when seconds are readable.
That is 8,37
